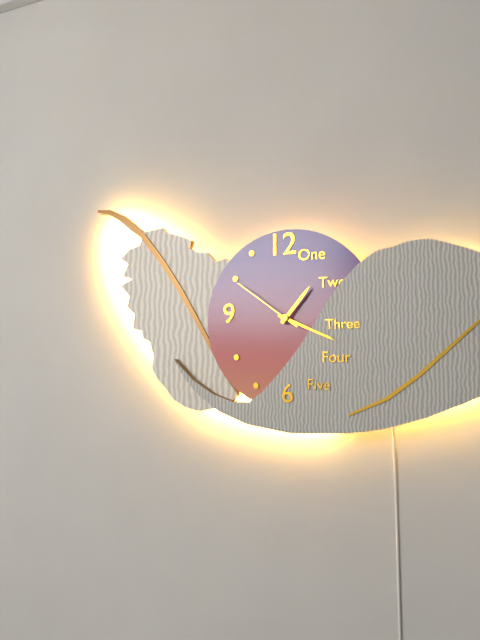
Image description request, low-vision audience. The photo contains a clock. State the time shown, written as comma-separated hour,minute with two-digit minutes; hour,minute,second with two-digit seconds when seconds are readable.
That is 1,19,51
